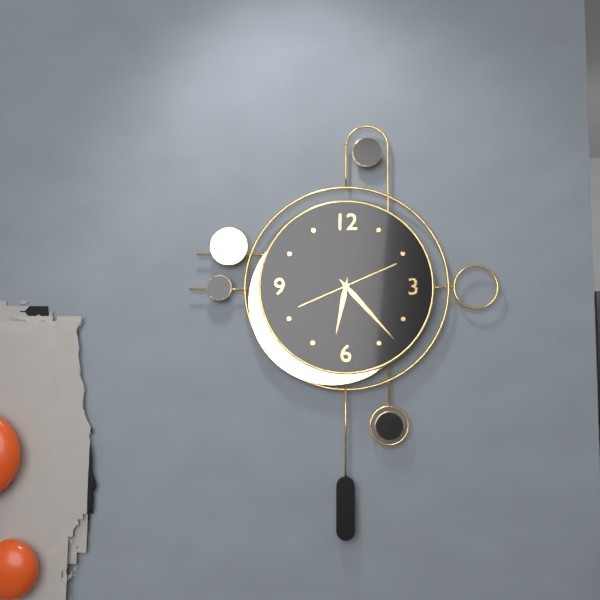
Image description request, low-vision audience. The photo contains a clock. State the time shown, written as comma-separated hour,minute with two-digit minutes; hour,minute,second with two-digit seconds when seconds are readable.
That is 6,23,11
